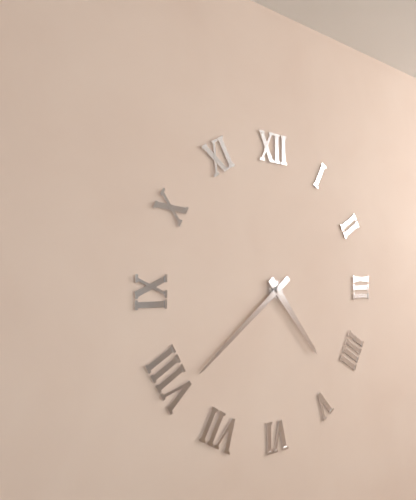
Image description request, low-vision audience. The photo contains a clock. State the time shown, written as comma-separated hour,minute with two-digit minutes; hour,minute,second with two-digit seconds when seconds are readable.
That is 4,39
